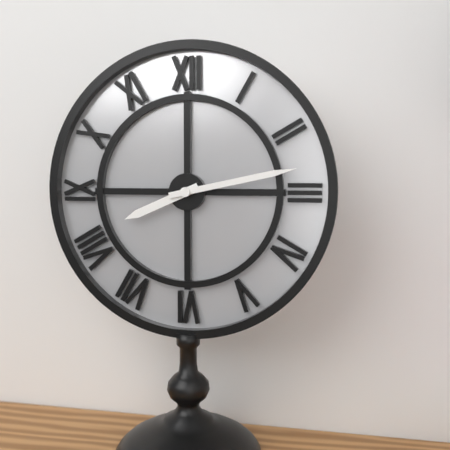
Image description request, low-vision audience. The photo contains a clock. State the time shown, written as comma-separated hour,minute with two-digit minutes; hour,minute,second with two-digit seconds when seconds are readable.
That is 8,13
